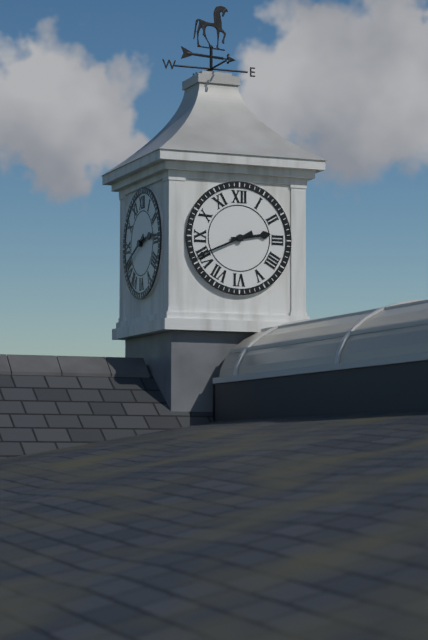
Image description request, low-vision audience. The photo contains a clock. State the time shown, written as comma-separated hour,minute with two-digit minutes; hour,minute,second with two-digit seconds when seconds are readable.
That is 2,41
